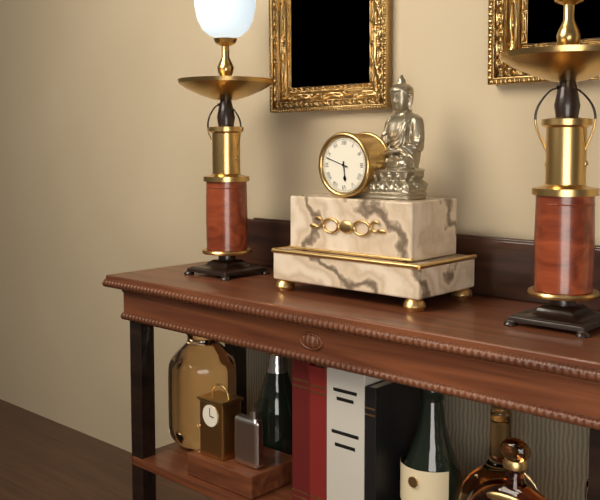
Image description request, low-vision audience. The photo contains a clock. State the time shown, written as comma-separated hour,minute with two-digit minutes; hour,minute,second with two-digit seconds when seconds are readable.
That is 5,48
